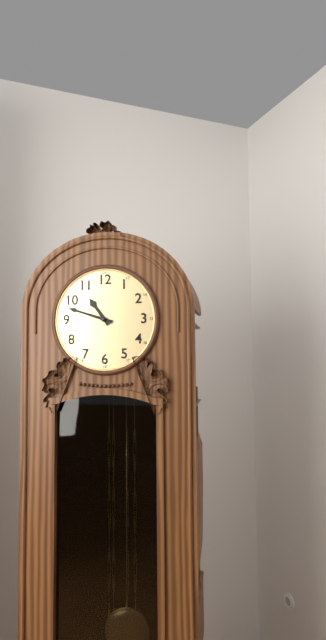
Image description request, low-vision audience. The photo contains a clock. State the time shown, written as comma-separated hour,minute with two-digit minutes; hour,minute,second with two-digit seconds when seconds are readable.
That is 10,48
